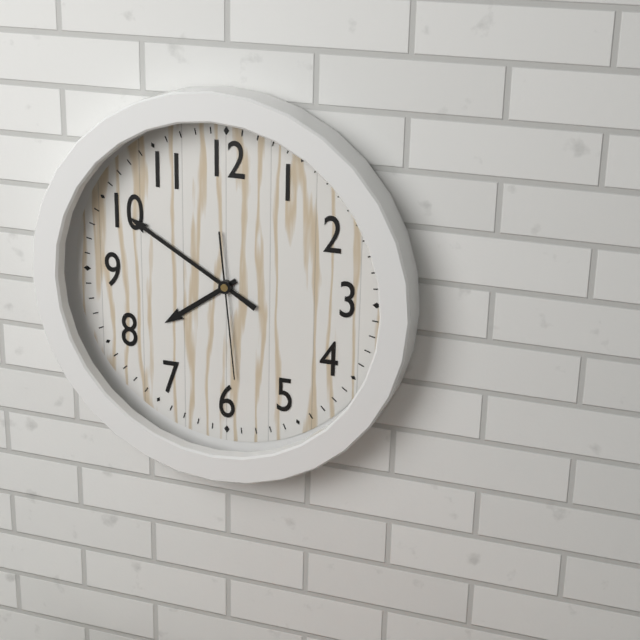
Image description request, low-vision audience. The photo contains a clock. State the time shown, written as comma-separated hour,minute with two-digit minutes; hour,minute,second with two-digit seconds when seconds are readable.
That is 7,50,29
